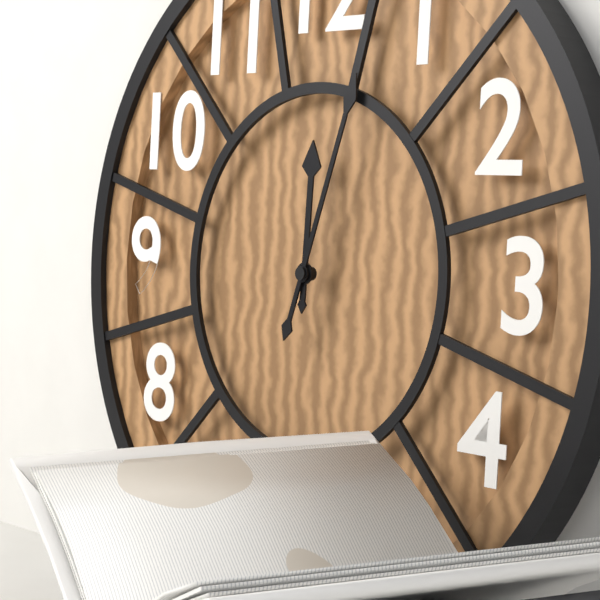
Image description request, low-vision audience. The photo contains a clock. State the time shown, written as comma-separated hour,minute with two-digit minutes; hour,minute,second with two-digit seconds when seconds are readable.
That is 12,03
